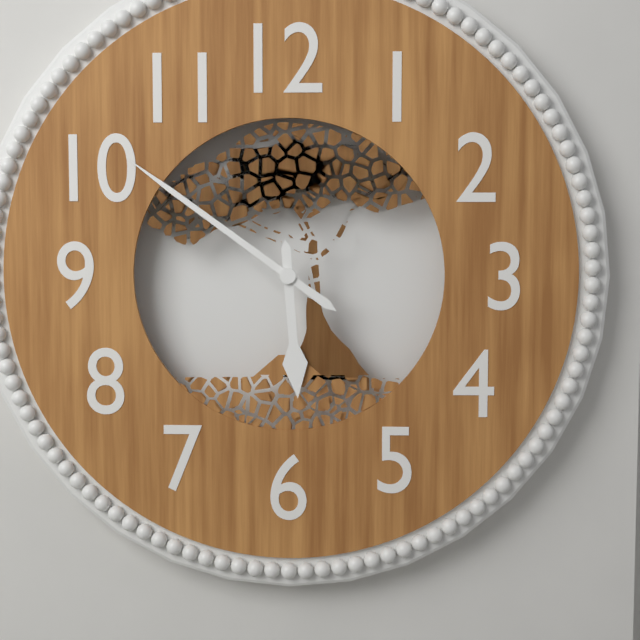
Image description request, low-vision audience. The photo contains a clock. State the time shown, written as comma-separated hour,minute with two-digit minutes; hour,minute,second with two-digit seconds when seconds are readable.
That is 5,51
